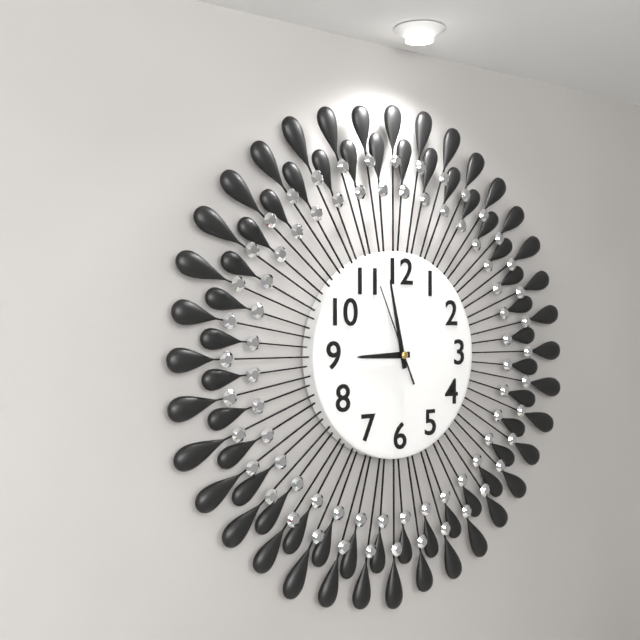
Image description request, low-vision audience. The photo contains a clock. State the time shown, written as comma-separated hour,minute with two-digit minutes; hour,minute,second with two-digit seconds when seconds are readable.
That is 8,58,56
